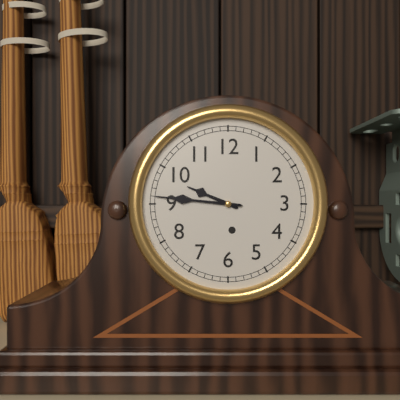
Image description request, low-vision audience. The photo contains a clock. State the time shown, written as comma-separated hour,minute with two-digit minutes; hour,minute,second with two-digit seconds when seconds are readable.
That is 9,46
